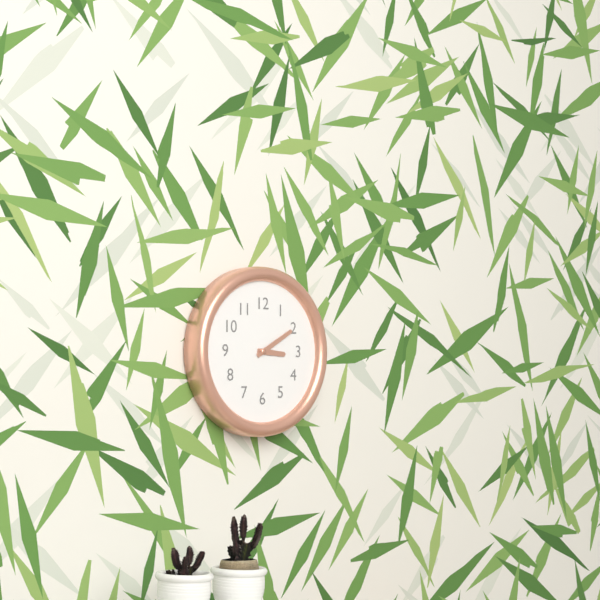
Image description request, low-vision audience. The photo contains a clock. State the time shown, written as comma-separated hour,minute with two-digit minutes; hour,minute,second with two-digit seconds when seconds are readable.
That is 3,10
